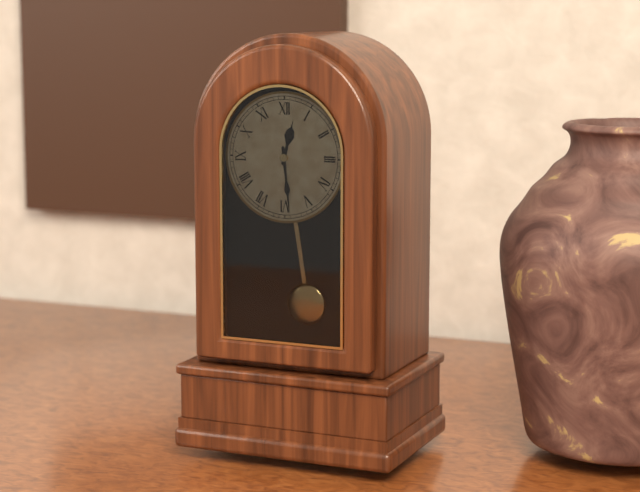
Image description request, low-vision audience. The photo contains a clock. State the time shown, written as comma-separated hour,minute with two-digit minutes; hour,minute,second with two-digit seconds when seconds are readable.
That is 12,29
